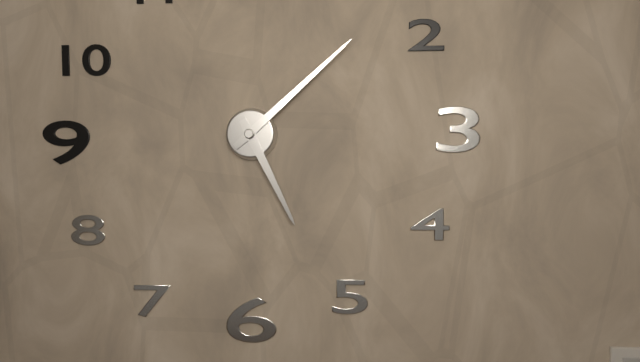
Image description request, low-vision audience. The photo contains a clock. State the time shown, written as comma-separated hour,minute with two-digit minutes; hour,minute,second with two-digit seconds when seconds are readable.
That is 5,08
